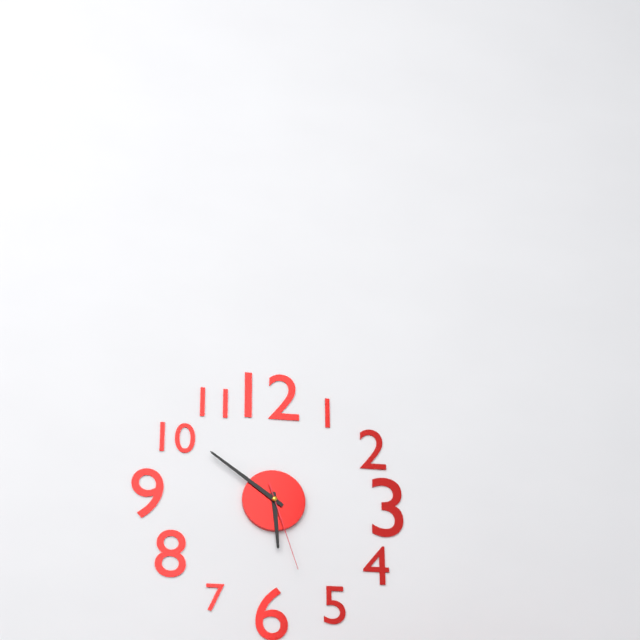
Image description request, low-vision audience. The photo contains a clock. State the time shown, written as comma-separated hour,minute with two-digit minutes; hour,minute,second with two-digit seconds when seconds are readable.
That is 5,51,27
